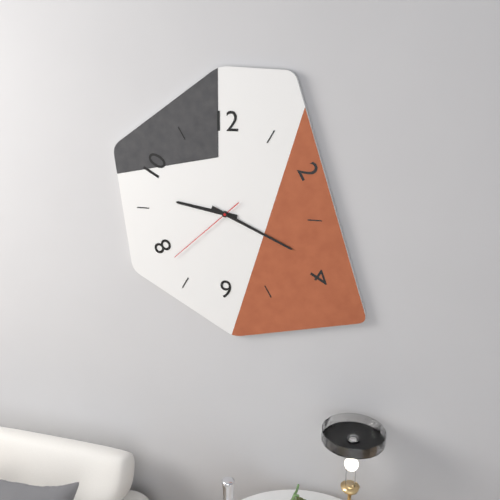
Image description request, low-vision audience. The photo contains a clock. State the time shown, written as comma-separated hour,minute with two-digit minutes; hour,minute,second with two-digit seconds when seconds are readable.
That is 9,19,38
